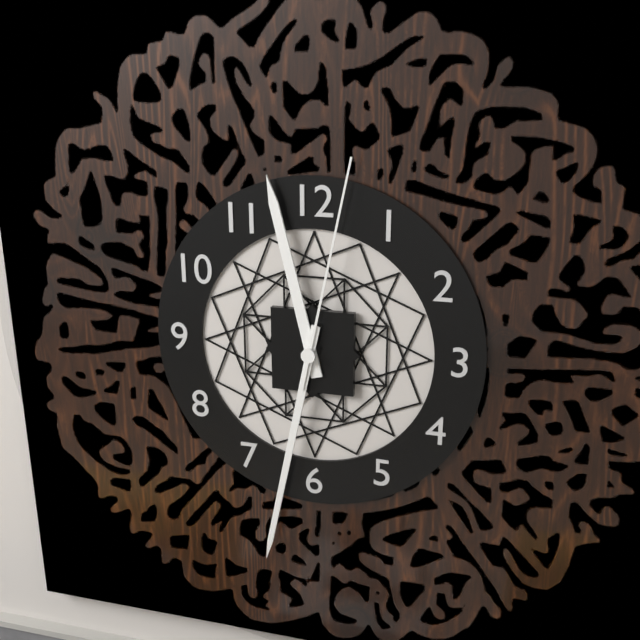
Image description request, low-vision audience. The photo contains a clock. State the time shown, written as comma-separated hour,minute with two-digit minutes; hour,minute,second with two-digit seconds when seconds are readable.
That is 11,32,02
